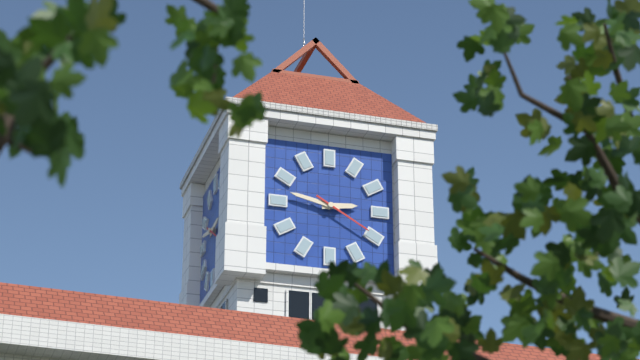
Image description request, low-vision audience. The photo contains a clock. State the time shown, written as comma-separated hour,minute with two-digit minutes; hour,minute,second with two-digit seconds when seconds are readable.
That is 2,47,20
